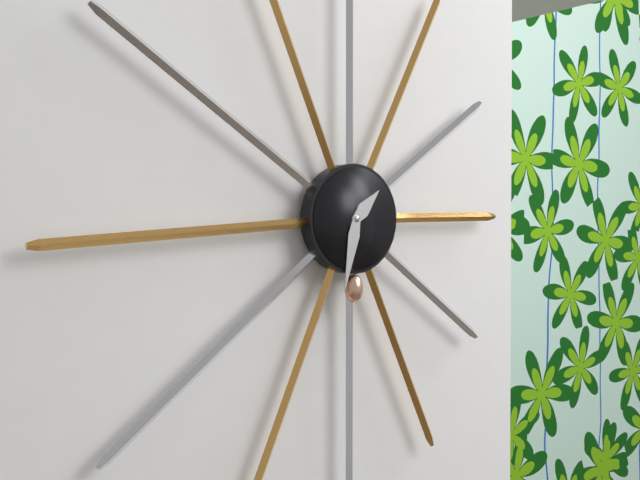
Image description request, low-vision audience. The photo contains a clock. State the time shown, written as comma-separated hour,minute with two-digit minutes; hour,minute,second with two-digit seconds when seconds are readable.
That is 1,32
